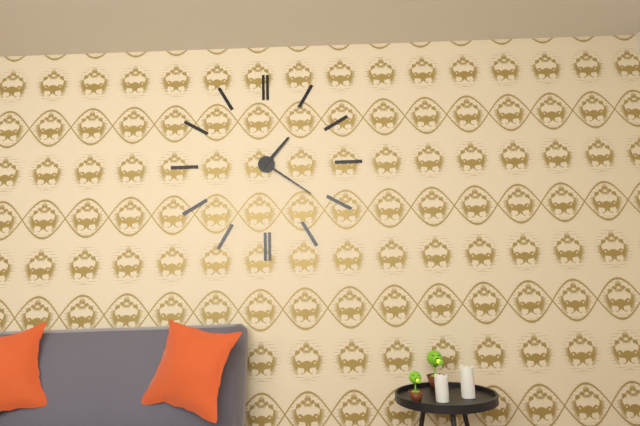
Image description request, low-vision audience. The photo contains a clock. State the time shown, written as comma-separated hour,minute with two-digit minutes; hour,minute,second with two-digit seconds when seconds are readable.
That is 1,21
